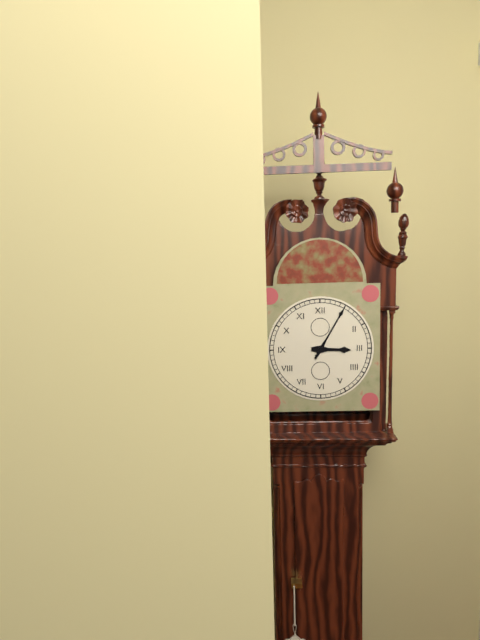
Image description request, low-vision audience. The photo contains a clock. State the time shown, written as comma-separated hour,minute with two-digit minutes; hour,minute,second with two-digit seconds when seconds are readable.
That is 3,05
